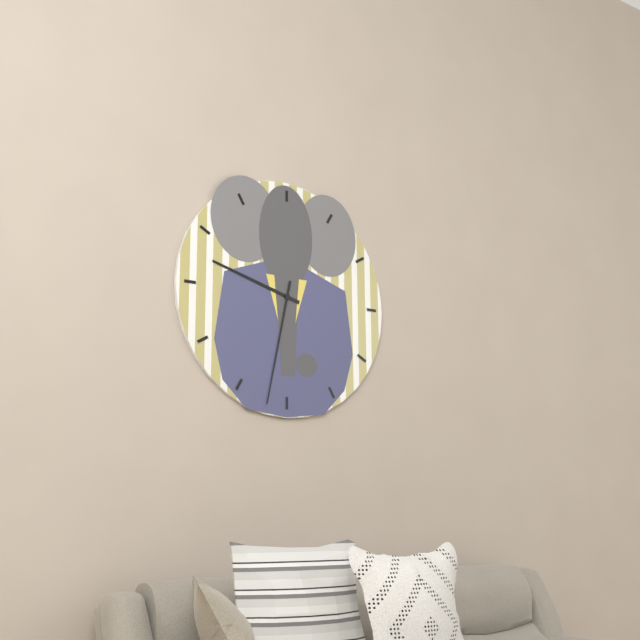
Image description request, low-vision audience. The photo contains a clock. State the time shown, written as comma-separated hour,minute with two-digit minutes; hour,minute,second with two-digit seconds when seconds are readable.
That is 9,32
